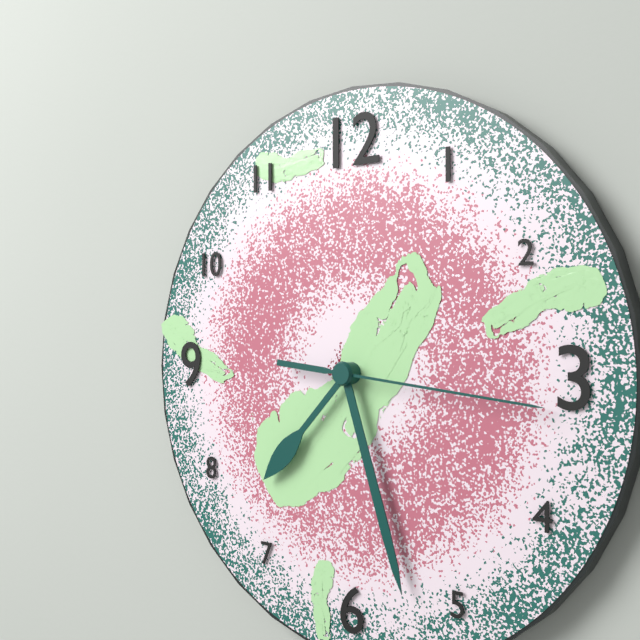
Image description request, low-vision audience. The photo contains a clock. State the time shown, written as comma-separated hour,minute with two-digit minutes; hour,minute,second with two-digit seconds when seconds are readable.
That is 7,27,16
